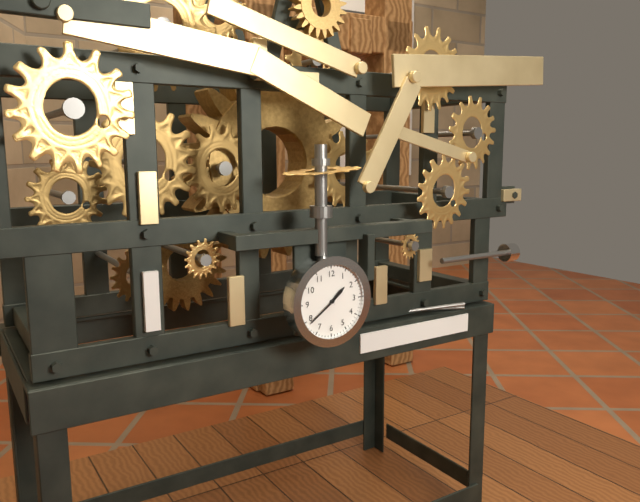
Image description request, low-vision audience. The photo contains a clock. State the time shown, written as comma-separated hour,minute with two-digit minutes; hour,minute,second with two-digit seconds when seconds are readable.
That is 1,39
